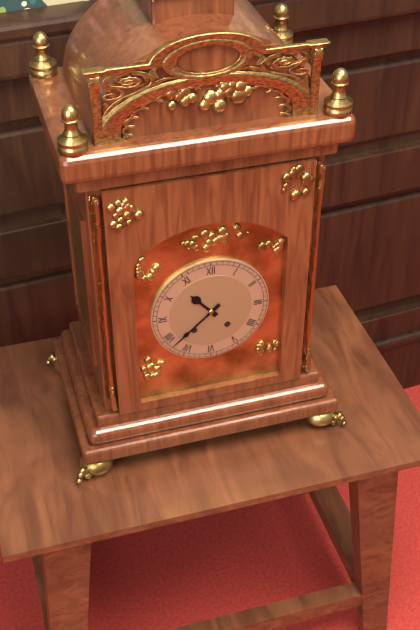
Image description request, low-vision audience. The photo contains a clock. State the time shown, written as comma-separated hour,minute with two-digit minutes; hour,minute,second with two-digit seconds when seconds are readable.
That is 10,38
